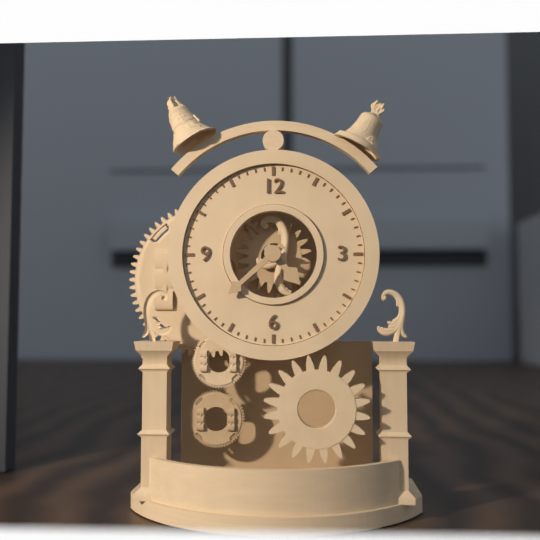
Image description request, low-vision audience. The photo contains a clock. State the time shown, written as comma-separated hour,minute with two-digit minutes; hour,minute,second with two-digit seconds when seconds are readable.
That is 4,38
